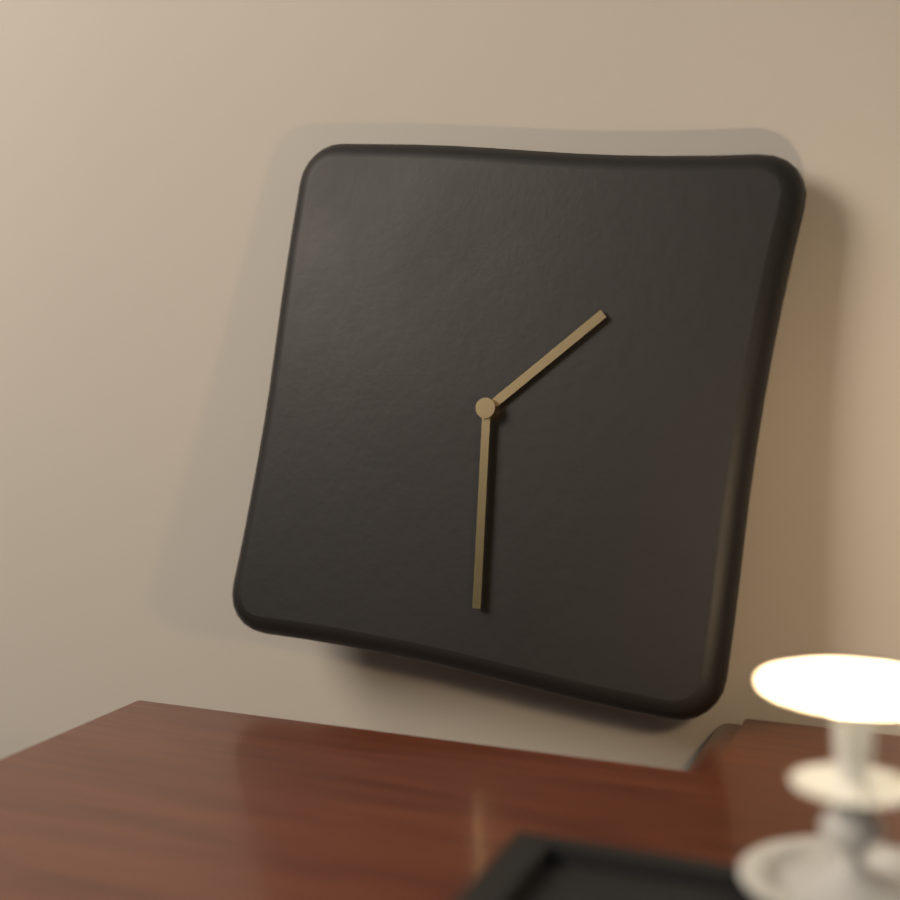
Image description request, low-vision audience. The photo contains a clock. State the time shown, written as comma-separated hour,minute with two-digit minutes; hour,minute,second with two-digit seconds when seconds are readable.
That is 1,29
